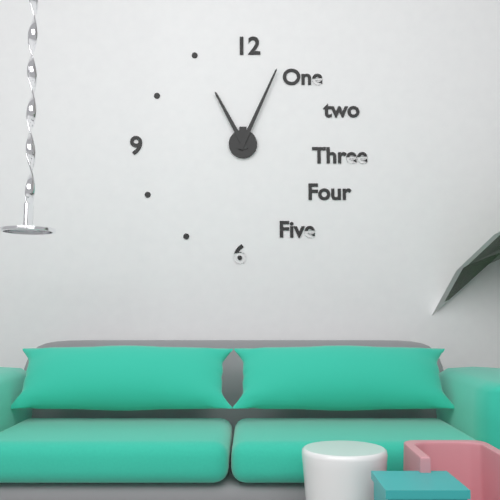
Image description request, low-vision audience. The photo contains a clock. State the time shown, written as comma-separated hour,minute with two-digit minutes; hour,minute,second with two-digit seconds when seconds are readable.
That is 11,04
